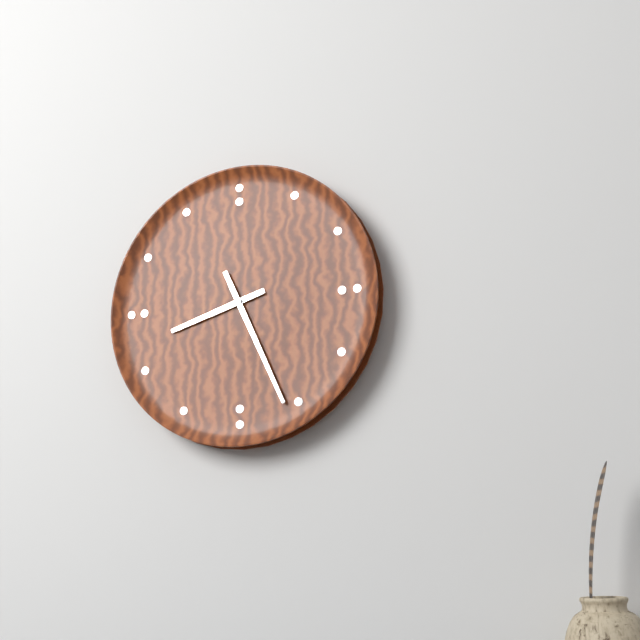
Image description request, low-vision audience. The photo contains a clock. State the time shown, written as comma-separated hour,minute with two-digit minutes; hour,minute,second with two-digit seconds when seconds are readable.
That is 8,26
